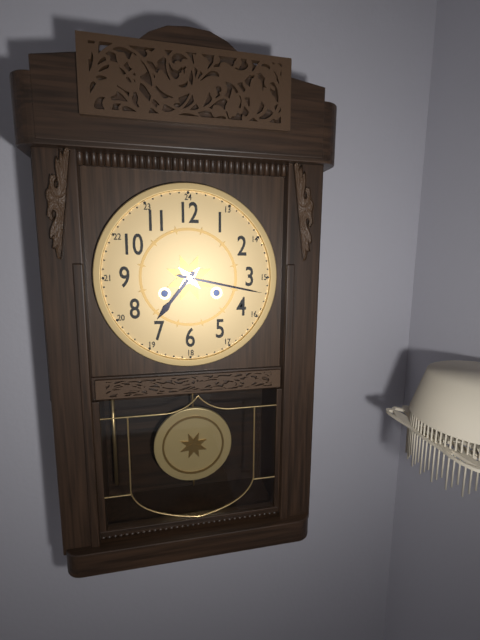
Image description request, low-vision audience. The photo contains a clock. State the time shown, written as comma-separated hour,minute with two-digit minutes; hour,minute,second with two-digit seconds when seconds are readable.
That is 7,17
